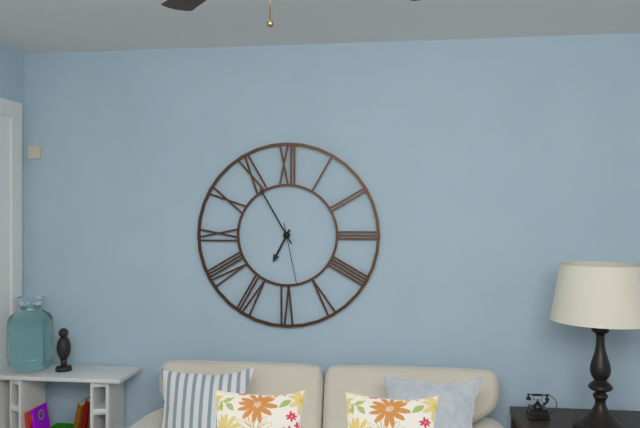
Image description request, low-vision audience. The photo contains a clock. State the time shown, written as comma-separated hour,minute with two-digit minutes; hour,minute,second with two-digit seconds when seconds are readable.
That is 6,55,28
